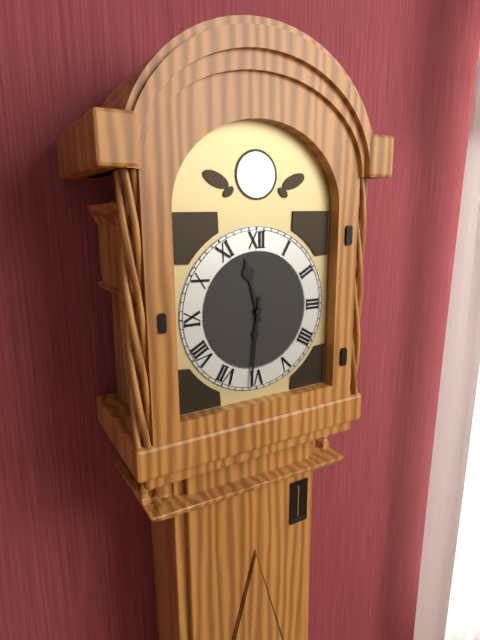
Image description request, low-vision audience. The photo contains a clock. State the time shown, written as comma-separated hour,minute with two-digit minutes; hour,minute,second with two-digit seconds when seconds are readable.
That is 11,31
